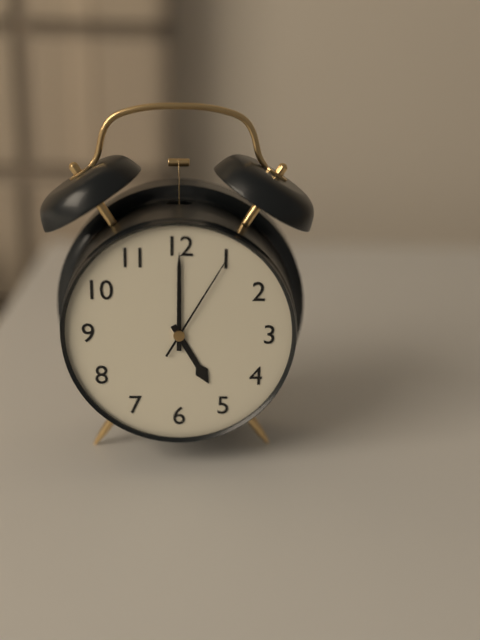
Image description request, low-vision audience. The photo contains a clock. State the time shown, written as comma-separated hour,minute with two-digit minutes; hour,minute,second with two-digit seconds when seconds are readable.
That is 5,00,05
